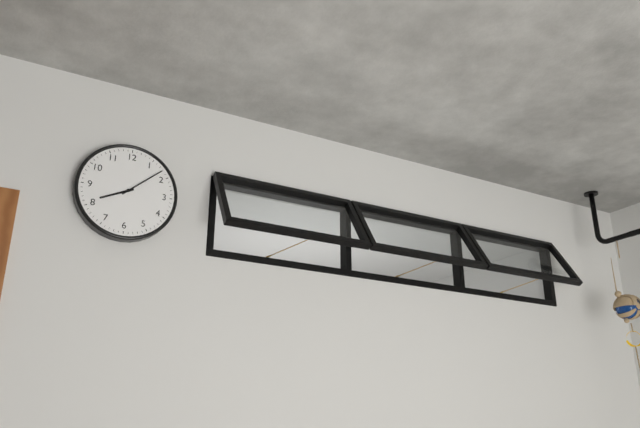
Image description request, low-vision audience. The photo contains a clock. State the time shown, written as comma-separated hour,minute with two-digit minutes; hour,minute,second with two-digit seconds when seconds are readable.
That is 8,08
